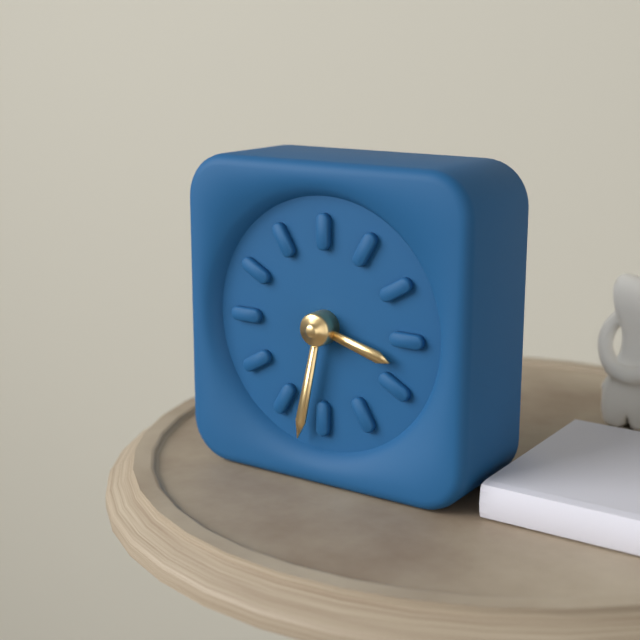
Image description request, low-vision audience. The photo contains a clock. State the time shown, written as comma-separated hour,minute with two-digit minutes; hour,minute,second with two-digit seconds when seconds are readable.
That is 3,32
